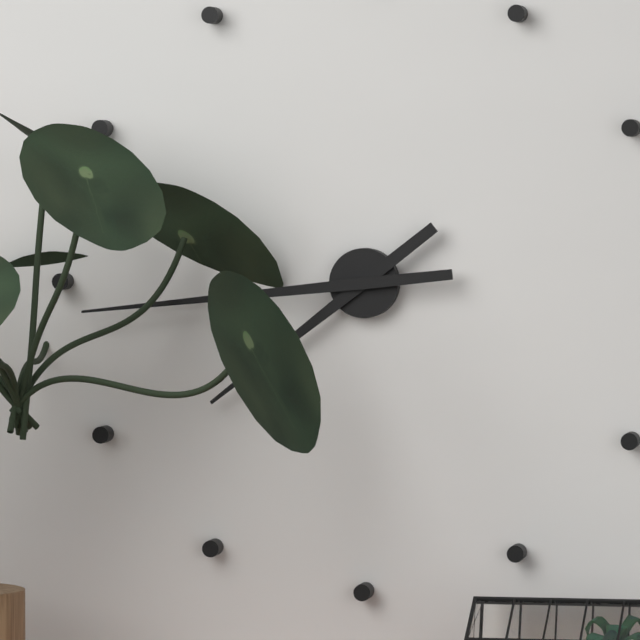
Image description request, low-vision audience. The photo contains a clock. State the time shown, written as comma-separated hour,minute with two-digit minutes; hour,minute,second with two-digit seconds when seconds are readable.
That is 7,44
